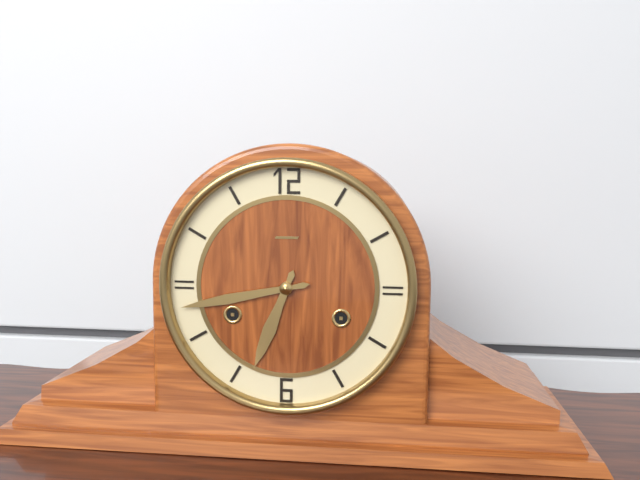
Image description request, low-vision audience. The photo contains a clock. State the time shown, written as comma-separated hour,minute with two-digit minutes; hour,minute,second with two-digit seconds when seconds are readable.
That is 6,43
